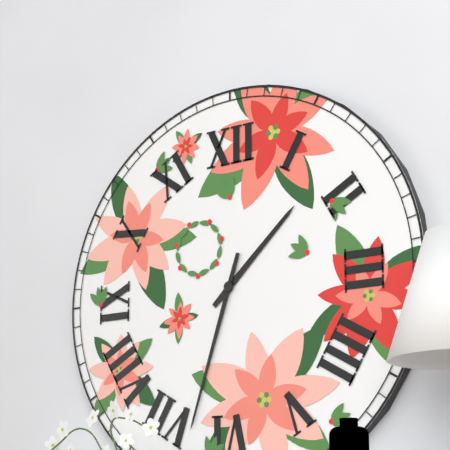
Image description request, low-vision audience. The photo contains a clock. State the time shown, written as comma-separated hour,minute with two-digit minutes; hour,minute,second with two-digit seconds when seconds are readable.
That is 1,33
